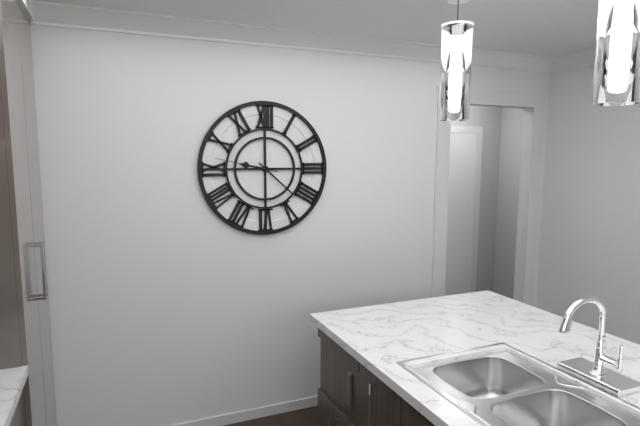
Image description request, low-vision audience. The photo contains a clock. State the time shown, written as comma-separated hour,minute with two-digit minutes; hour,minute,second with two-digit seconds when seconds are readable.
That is 9,22,47
